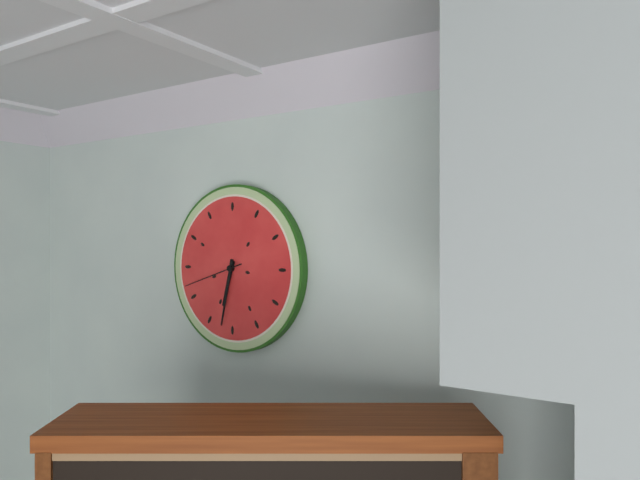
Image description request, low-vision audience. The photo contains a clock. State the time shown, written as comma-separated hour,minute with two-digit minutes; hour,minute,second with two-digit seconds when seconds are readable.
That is 6,32,42
